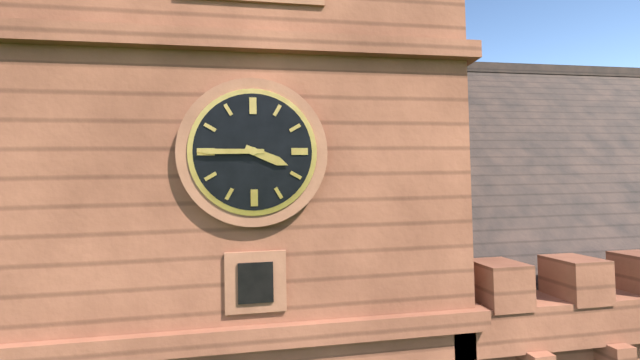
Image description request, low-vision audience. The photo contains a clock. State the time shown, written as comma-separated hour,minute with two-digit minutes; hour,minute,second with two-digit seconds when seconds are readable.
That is 3,45
